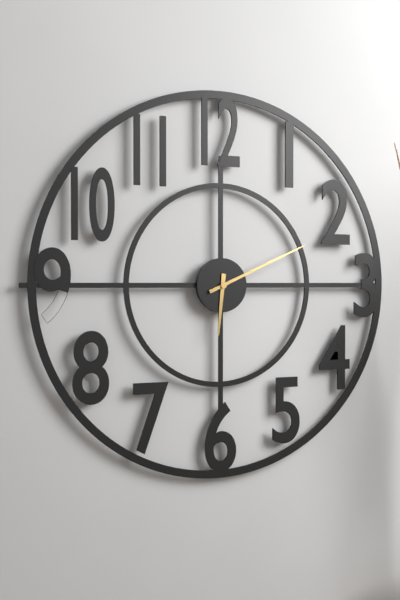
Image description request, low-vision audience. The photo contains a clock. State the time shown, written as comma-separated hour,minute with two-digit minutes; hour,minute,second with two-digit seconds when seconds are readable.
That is 6,11
